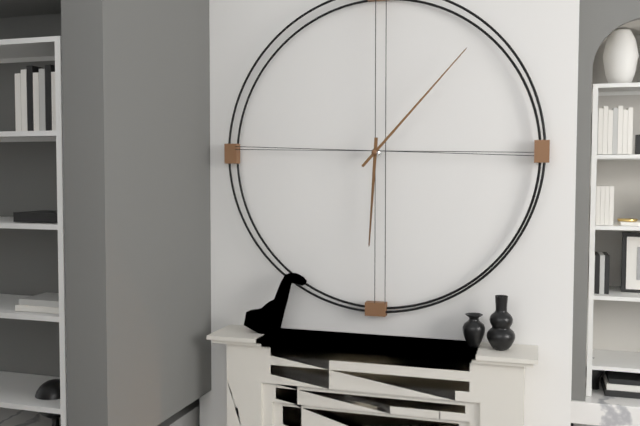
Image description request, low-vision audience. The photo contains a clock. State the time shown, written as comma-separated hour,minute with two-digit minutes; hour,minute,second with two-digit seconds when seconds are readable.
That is 6,07
